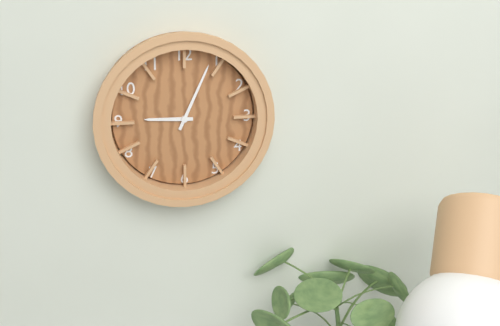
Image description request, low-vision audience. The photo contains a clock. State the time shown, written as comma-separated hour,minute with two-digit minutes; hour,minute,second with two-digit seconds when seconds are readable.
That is 9,04
